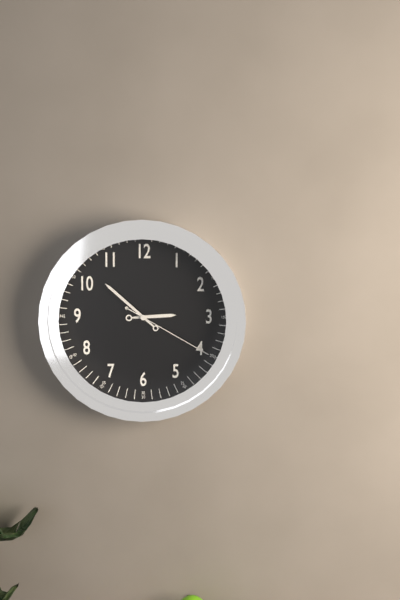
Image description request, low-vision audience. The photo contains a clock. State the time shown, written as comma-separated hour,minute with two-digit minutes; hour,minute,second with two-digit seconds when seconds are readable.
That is 2,52,20
